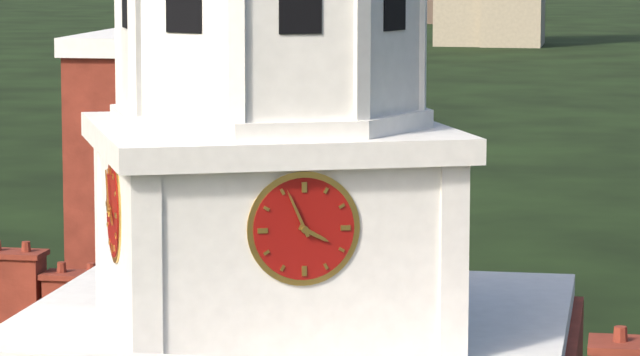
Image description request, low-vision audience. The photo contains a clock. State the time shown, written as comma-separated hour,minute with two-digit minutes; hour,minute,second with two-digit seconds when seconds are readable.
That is 3,56
